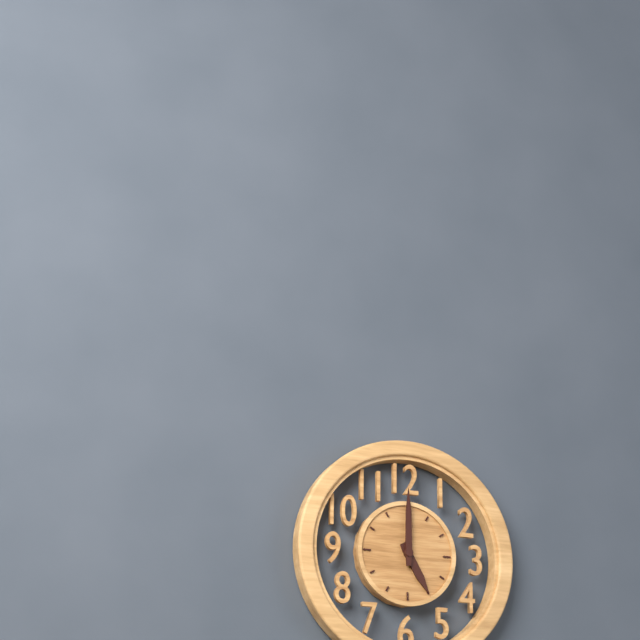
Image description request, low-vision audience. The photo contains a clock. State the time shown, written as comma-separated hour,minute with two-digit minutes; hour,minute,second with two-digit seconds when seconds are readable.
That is 5,00
